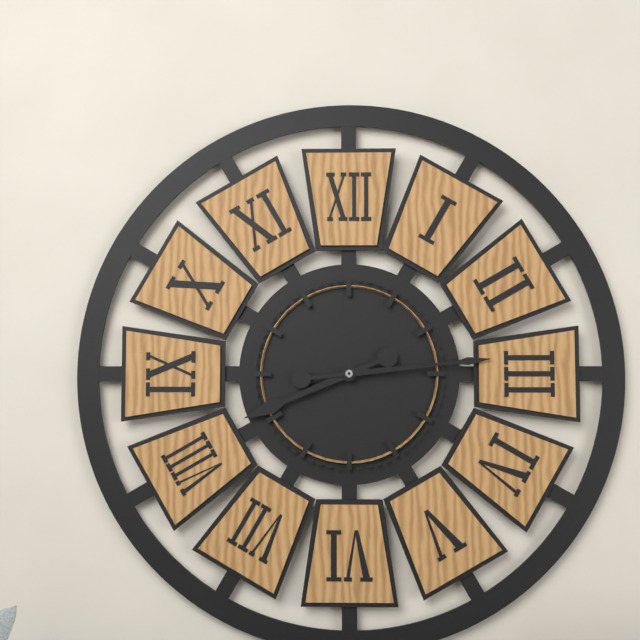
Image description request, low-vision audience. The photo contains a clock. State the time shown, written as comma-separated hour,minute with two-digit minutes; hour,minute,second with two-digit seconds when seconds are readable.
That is 8,14
